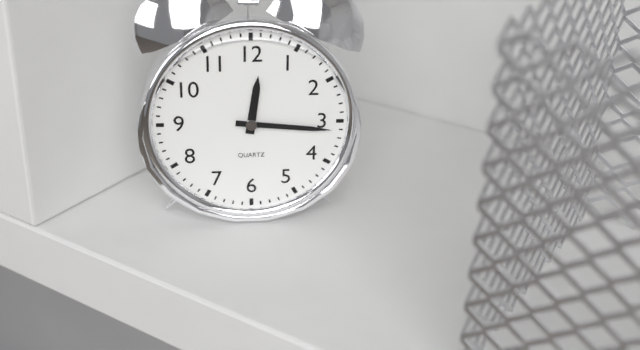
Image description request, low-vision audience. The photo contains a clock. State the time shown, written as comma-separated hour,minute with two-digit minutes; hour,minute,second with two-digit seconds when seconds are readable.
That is 12,16
